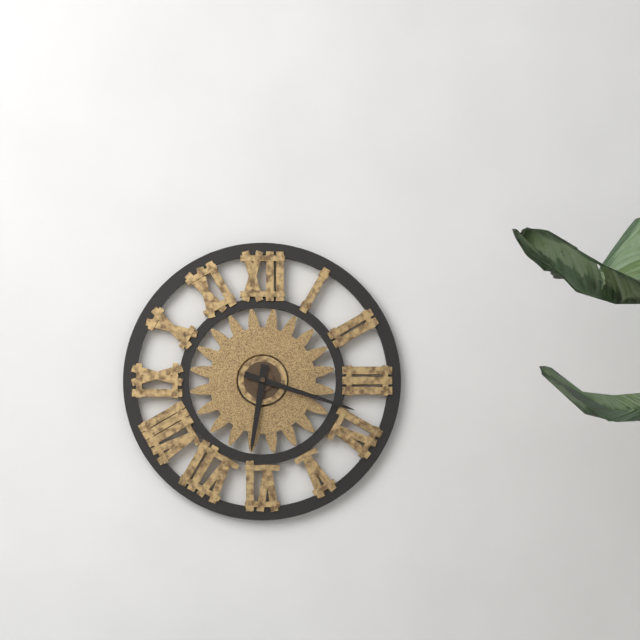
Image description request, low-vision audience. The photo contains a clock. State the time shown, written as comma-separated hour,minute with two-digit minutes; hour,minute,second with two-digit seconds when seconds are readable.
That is 6,18
